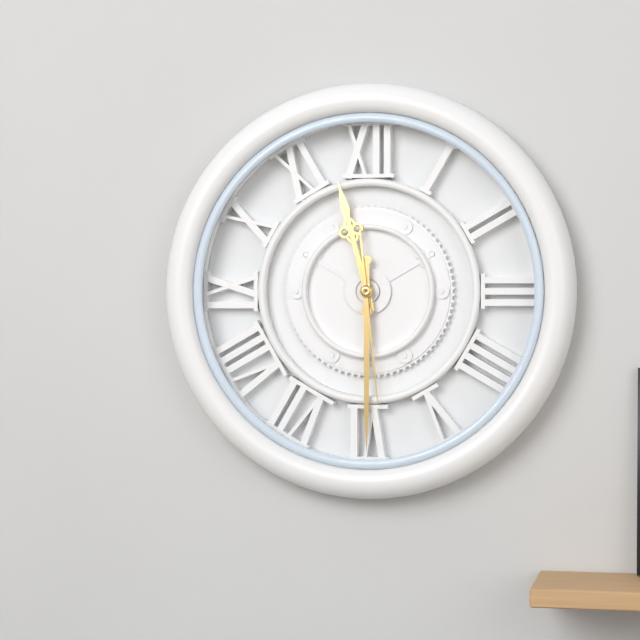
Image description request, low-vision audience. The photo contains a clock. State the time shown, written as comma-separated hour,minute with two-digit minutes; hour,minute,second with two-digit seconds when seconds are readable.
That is 11,30,29
